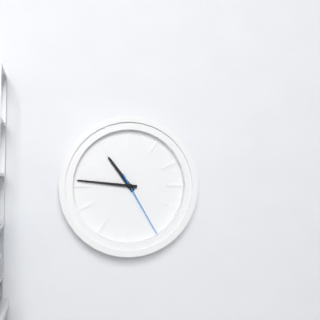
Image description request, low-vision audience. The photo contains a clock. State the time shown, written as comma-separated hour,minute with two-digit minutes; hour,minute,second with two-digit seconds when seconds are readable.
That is 10,46,25
